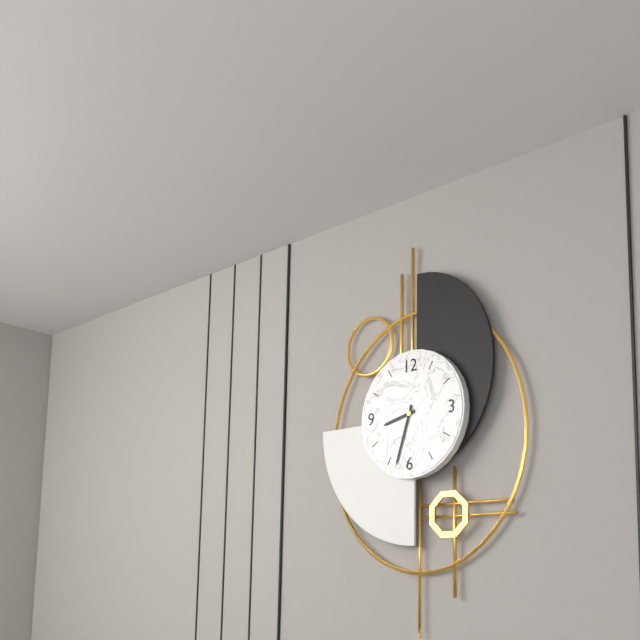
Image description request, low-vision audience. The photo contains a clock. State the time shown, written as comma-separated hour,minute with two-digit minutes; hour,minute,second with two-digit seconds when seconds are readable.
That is 8,33
